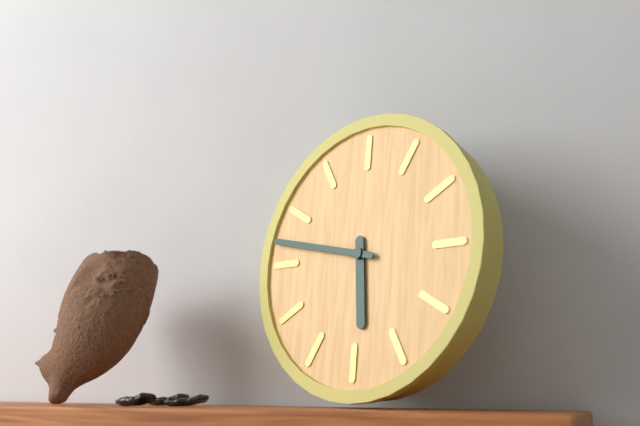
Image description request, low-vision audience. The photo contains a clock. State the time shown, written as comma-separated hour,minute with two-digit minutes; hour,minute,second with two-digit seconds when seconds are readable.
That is 5,47
